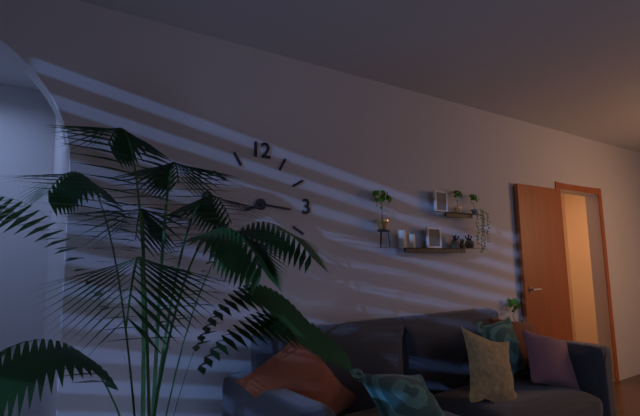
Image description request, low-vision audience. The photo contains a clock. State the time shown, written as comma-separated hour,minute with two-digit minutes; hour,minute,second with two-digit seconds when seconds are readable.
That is 8,16
